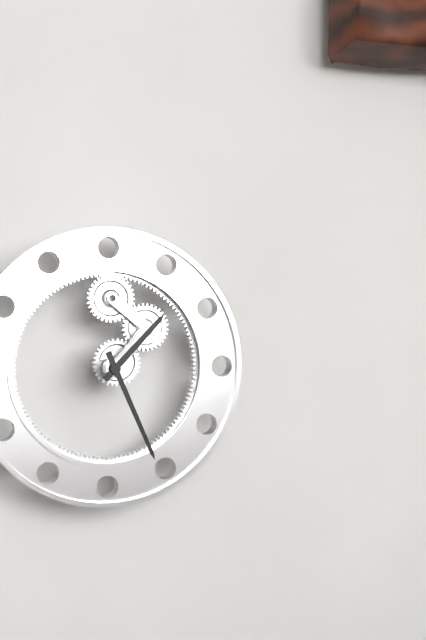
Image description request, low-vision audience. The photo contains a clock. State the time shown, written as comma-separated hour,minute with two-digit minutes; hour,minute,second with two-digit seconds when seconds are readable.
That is 1,26
